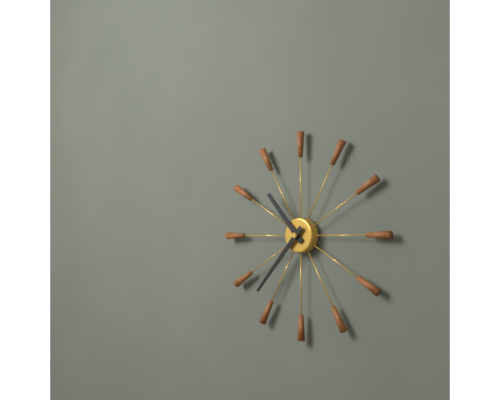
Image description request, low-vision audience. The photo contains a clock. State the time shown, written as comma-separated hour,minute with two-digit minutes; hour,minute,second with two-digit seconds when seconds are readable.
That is 10,37
